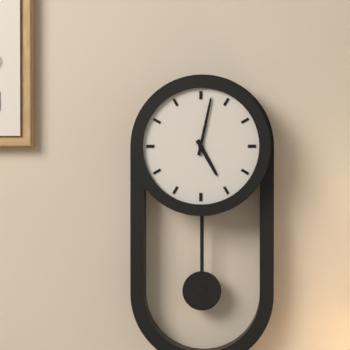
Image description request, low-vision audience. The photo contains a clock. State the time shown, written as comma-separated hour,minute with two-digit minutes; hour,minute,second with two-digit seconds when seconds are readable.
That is 5,02
